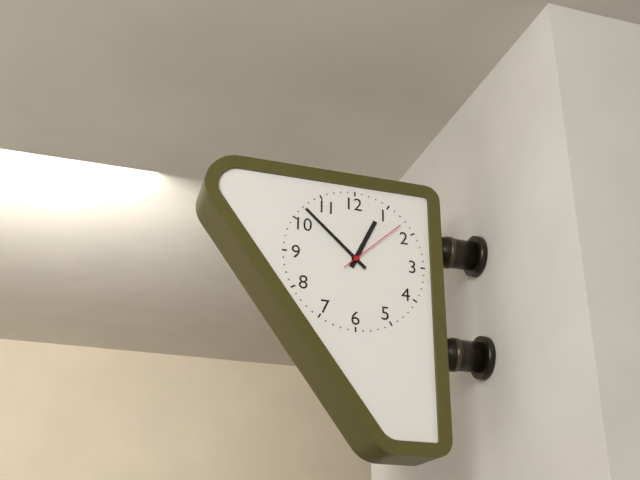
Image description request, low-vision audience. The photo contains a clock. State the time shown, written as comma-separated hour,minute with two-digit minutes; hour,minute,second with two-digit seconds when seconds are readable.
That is 12,52,08
